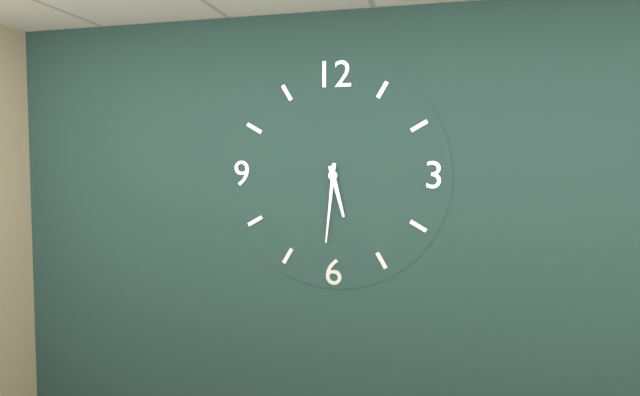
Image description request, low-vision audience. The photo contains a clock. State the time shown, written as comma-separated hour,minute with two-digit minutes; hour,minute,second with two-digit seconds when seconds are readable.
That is 5,31
